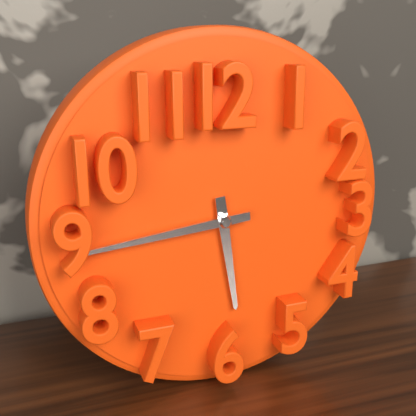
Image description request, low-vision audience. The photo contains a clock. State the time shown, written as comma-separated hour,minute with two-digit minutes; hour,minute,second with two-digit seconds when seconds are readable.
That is 5,44
